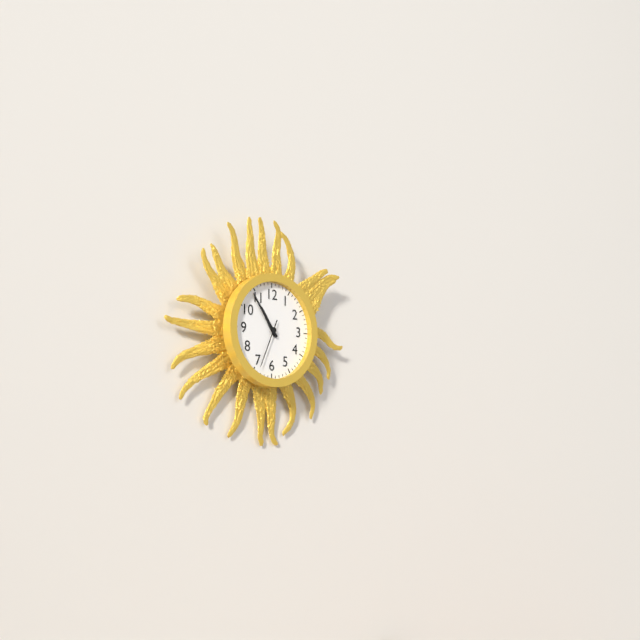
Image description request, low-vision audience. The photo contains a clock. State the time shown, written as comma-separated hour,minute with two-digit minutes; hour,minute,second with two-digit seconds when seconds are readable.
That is 10,54
